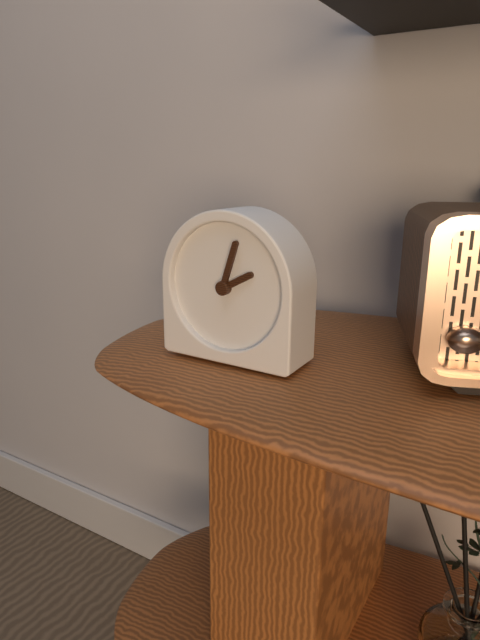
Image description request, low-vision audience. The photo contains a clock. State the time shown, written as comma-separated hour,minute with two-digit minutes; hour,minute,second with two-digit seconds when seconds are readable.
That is 2,03
